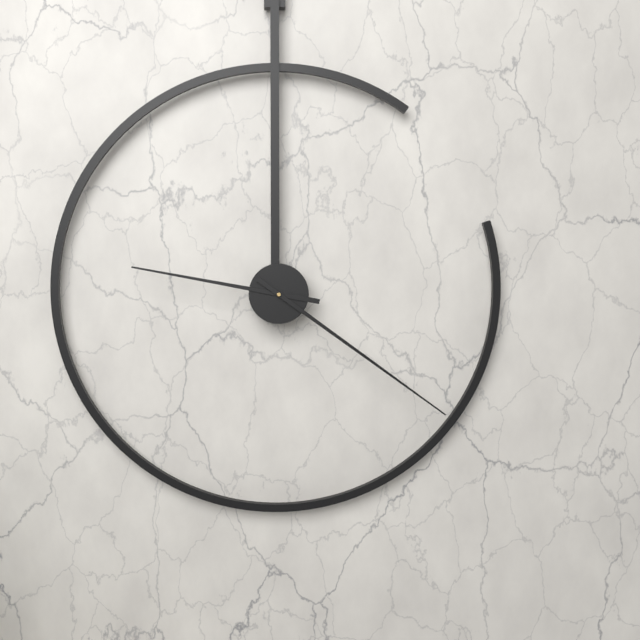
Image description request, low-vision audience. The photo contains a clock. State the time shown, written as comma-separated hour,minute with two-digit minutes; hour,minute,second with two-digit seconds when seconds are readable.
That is 9,21
